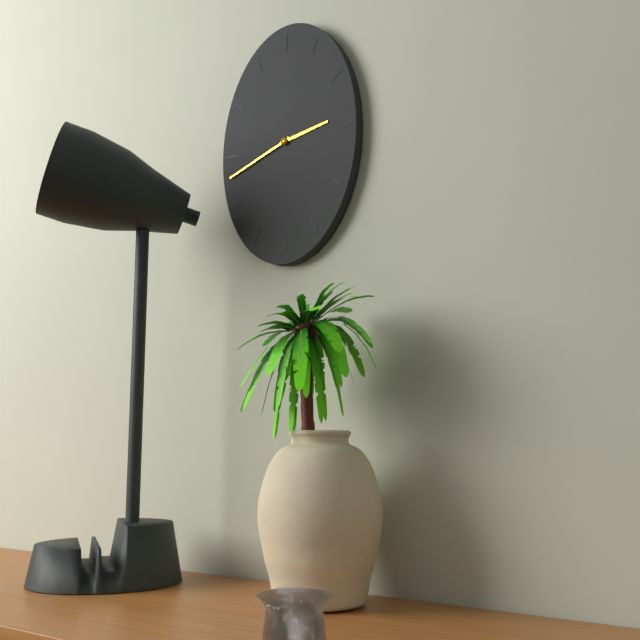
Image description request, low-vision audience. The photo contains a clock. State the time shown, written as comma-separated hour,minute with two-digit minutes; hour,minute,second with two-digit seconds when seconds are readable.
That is 2,42
